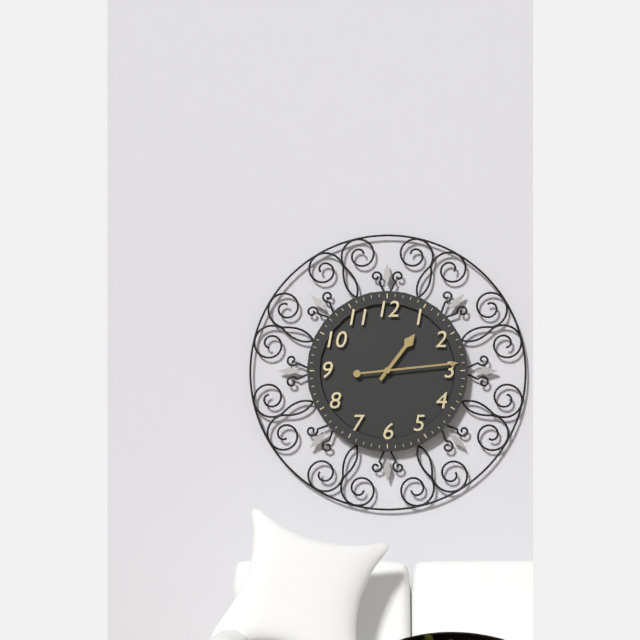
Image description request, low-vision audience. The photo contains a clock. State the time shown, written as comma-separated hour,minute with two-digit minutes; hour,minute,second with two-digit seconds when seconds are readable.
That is 1,14
